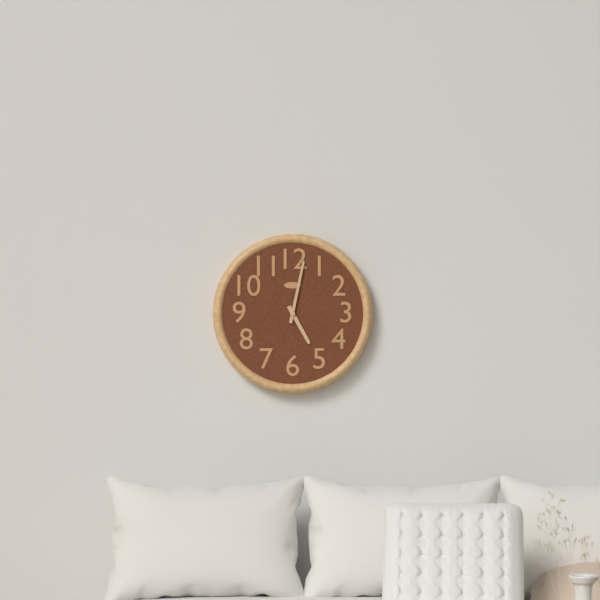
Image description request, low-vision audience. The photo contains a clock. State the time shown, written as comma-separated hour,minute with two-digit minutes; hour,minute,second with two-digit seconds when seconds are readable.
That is 5,02
